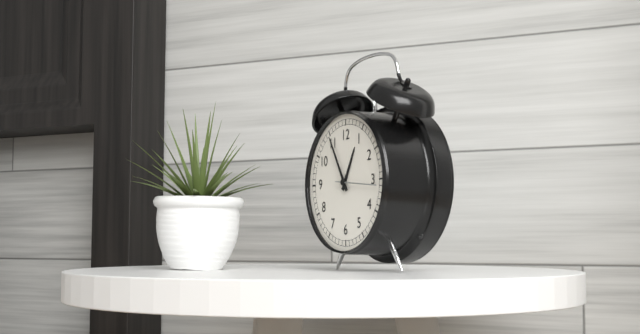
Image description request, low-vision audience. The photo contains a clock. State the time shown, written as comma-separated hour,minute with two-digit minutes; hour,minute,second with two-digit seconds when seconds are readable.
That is 12,55
